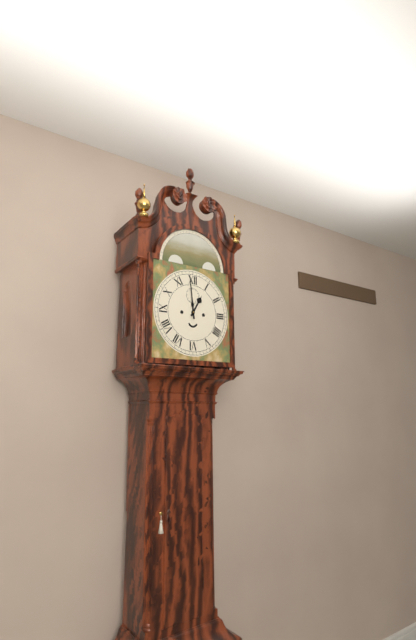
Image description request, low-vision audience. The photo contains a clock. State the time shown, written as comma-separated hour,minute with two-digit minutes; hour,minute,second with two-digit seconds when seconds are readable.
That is 12,59
